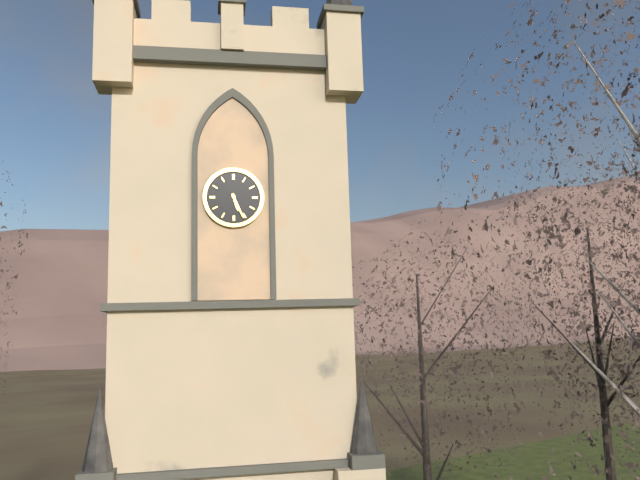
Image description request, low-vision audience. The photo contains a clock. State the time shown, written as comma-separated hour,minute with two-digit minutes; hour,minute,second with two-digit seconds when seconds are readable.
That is 5,26
